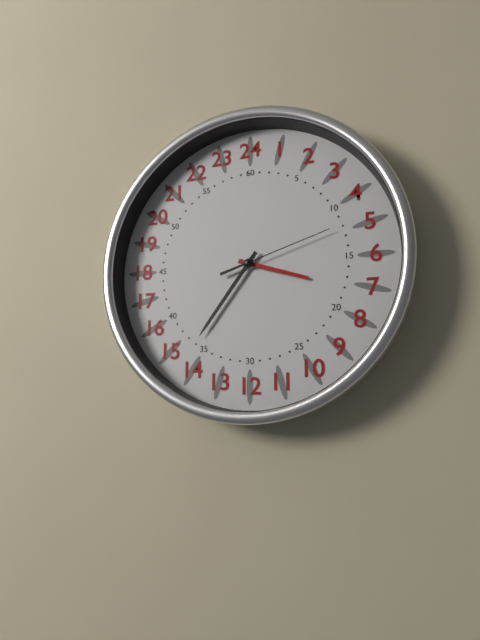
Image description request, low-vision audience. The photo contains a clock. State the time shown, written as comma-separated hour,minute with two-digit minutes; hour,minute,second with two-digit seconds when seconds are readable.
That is 3,36,12
